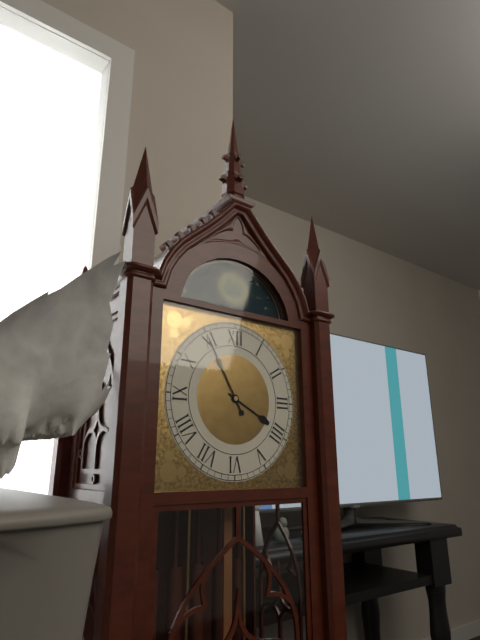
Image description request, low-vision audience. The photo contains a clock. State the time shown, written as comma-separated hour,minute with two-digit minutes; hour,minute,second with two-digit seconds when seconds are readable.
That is 3,55
